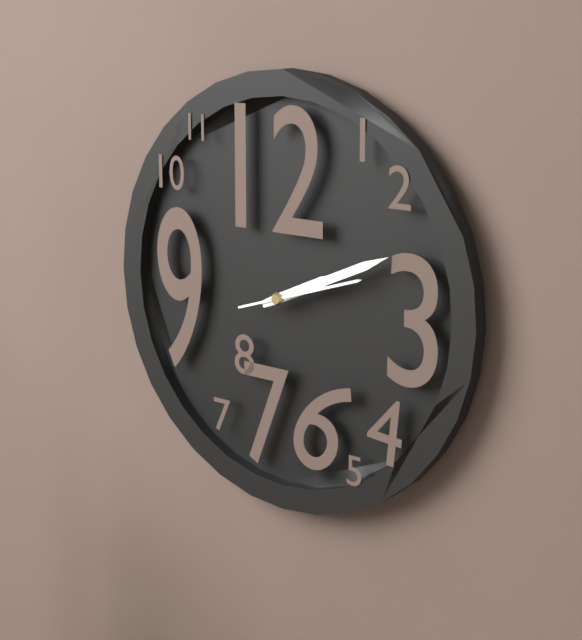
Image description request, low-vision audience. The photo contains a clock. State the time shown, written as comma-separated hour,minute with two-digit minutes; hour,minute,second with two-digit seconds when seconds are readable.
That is 2,11,12
